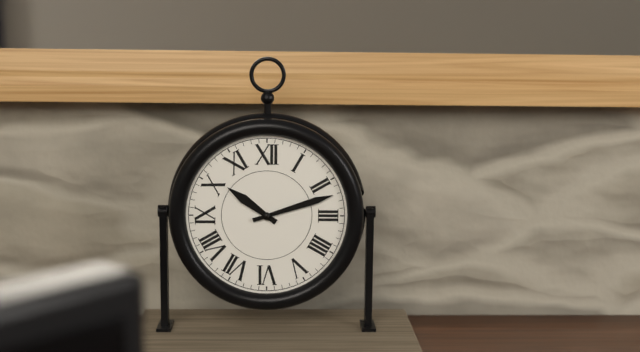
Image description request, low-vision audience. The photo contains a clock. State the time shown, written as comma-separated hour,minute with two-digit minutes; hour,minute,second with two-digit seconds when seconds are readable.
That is 10,12
